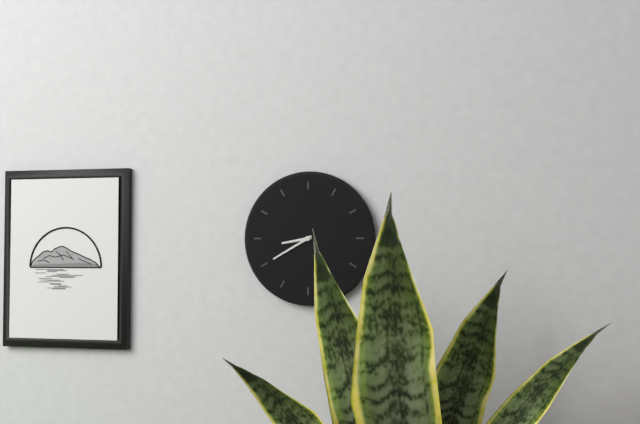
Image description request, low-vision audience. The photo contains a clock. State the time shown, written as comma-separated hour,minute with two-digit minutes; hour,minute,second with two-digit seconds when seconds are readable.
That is 8,40
